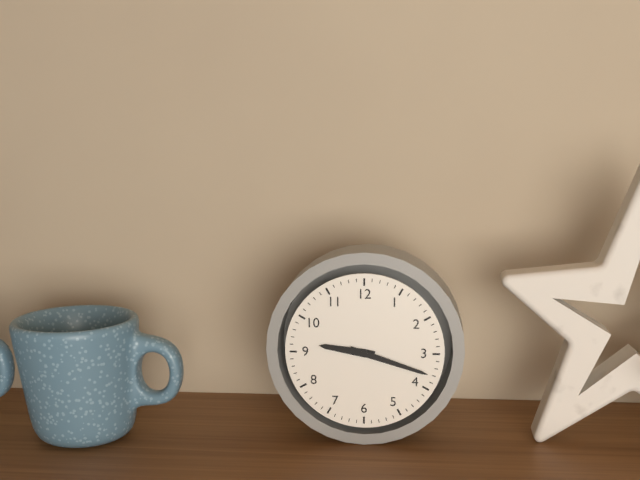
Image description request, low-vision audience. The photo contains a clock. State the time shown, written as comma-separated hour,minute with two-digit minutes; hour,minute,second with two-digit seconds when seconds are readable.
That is 9,18
